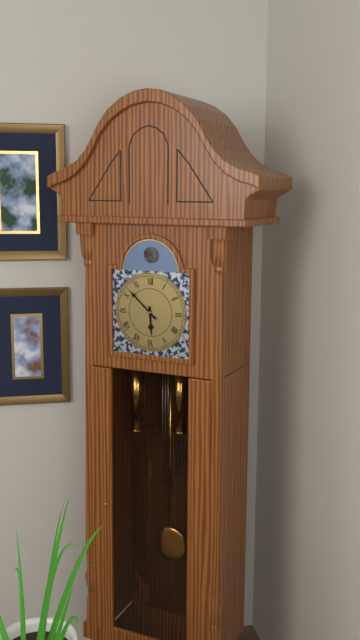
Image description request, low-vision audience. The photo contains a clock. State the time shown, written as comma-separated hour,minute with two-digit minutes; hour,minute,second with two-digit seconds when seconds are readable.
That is 5,52
